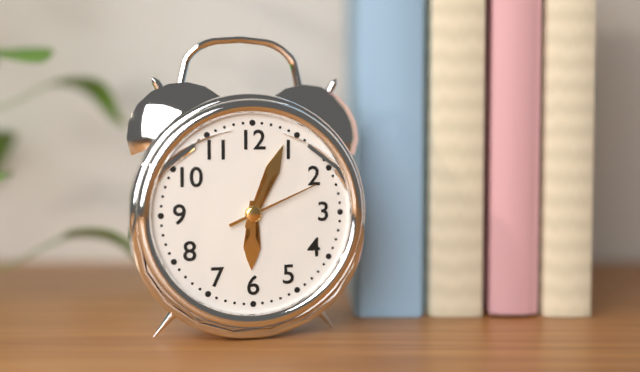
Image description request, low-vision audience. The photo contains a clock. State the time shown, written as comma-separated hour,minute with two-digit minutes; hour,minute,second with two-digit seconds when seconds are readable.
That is 6,04,11
